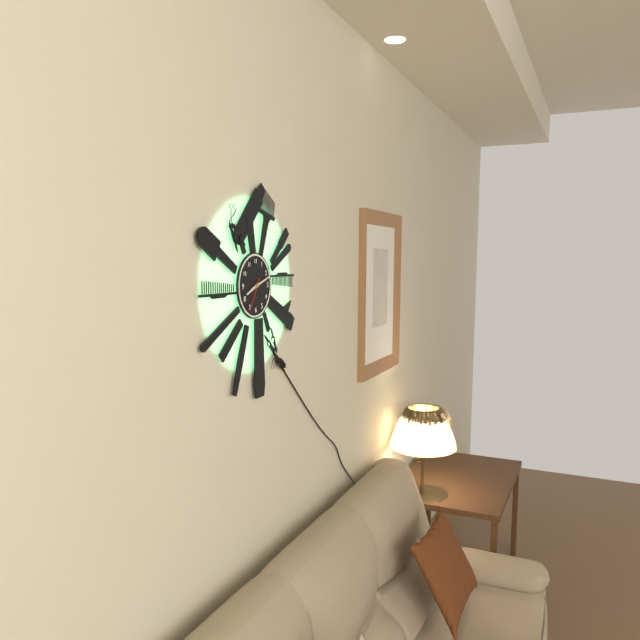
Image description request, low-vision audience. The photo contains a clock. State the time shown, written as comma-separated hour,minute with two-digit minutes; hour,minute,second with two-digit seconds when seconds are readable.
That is 8,12
